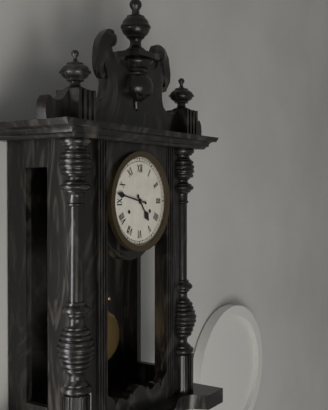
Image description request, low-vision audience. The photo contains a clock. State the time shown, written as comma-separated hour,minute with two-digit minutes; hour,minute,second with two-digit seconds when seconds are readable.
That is 4,47
